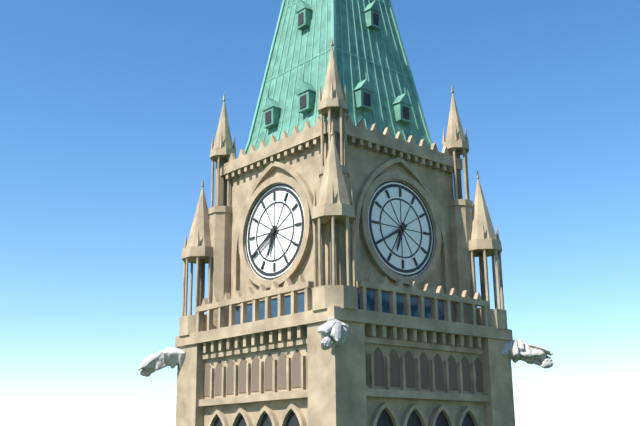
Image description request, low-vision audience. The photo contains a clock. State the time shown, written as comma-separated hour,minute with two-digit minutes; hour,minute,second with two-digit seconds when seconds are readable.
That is 6,40
